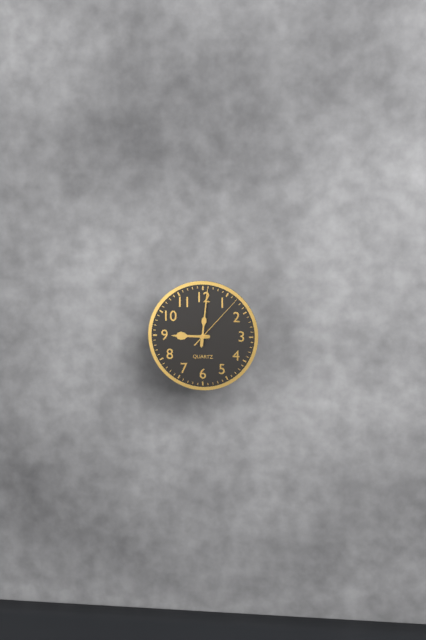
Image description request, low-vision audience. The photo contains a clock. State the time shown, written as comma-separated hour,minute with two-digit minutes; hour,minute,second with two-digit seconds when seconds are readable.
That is 9,01,07
